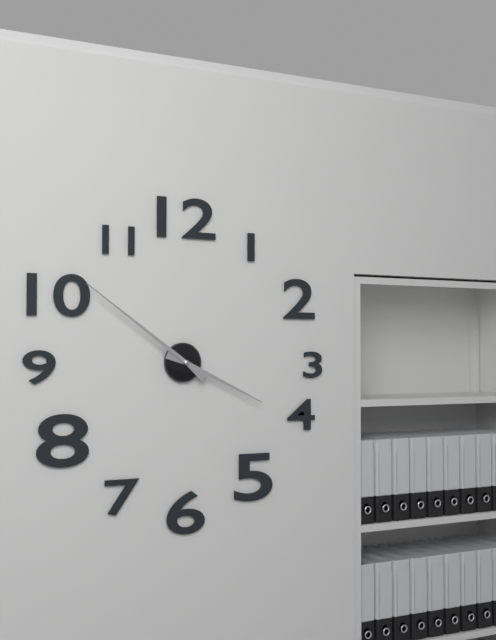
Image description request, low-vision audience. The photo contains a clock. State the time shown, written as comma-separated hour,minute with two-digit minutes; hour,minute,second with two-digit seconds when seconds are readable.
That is 3,51
